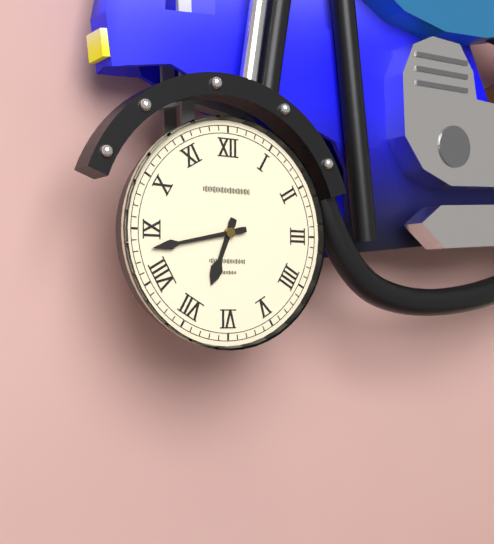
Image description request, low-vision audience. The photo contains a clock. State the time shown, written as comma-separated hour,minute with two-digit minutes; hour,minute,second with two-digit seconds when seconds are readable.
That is 6,43
